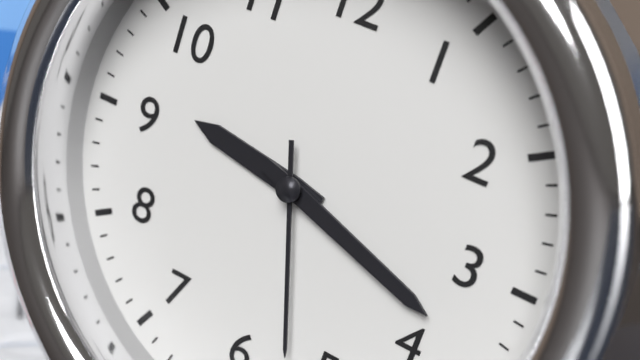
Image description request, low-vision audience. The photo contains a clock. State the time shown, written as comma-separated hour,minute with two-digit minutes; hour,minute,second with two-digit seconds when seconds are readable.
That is 9,18,27
